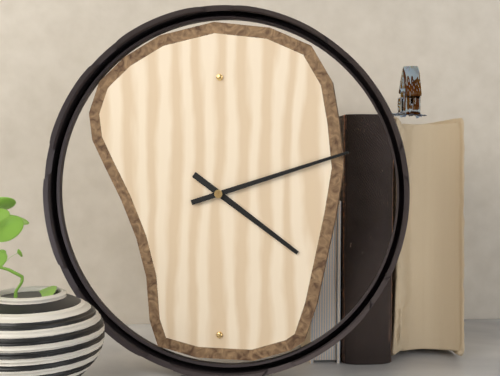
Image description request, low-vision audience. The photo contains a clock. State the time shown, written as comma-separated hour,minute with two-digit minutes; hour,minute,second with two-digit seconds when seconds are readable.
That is 4,12
